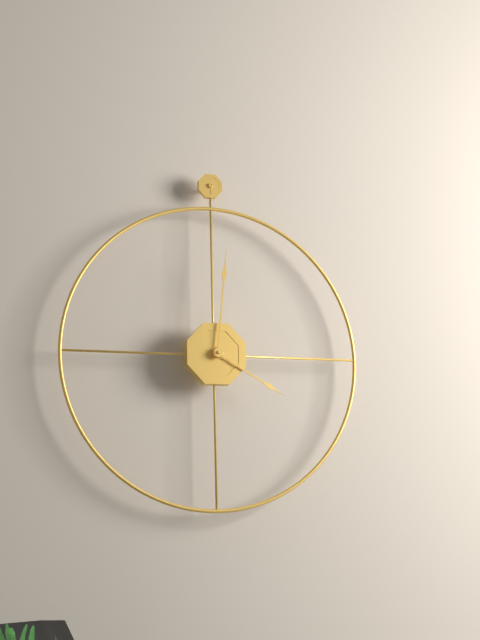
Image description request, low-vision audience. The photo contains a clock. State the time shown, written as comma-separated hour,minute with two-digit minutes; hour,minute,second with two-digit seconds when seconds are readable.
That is 4,01
